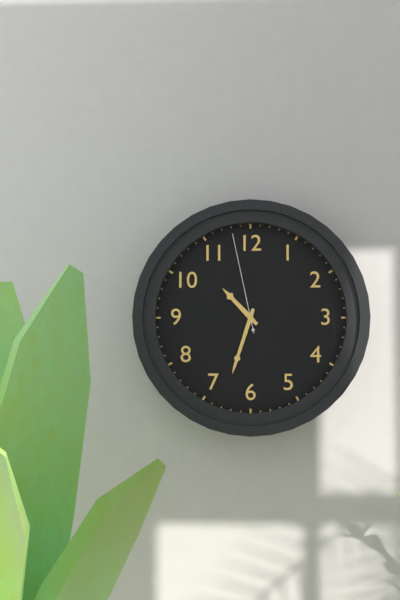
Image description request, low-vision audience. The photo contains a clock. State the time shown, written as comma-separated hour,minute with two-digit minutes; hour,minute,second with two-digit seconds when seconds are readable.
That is 10,33,58
